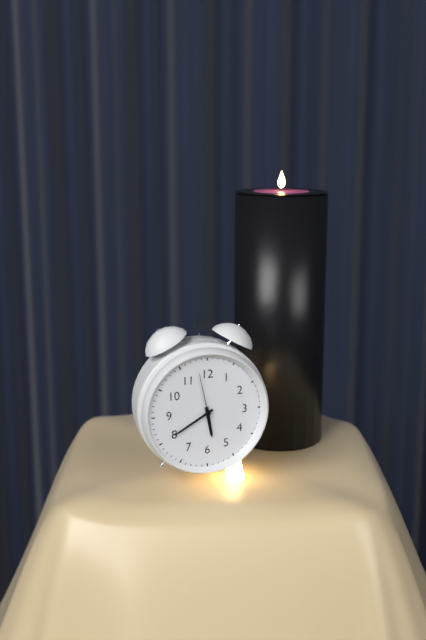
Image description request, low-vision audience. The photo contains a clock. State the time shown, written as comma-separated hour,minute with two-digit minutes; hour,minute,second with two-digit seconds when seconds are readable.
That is 5,40,58
